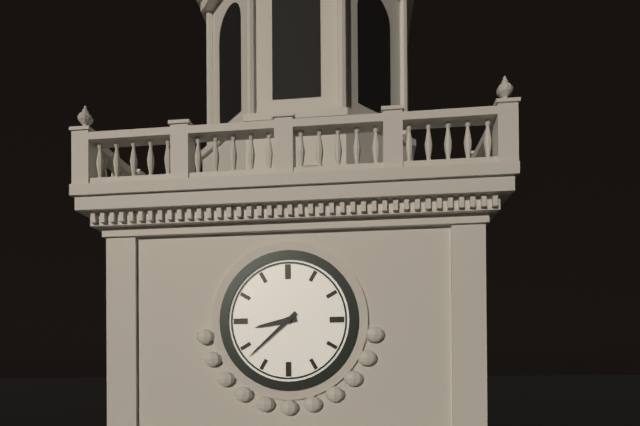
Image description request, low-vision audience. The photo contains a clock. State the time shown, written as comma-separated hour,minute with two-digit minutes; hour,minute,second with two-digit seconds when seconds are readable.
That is 8,38
